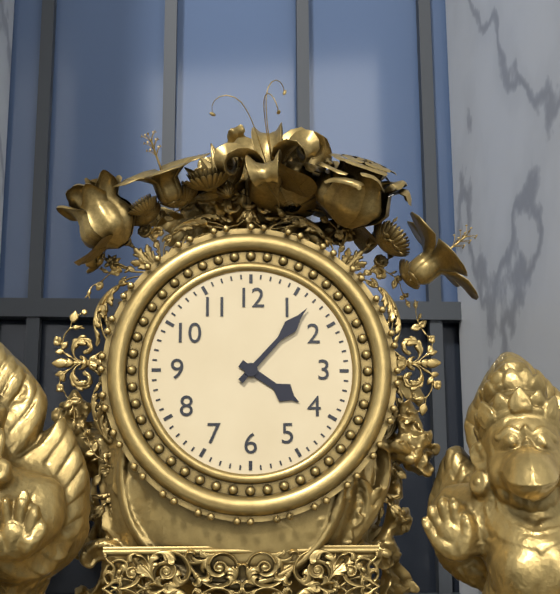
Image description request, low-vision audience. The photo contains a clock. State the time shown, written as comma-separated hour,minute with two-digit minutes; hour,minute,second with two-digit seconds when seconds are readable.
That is 4,07
